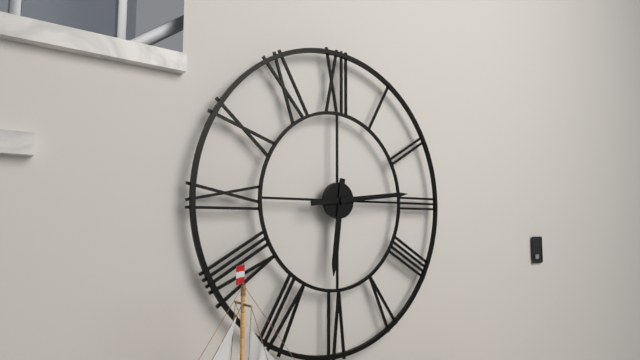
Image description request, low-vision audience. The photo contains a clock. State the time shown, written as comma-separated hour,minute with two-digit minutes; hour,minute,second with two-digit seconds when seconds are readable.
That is 6,14
